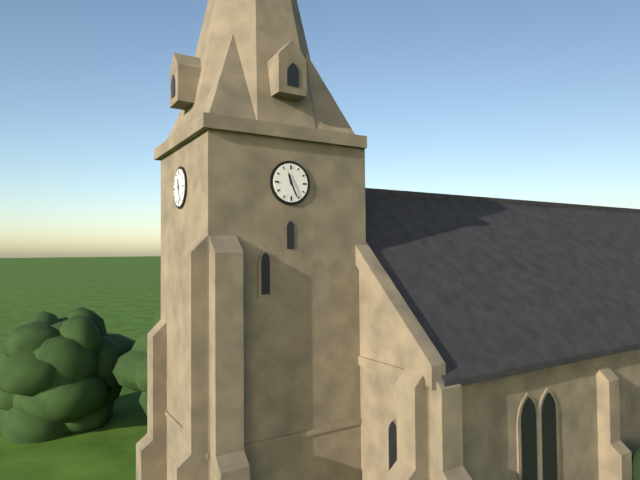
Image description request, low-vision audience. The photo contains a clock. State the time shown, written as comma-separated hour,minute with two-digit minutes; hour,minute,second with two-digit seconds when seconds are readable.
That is 11,26
